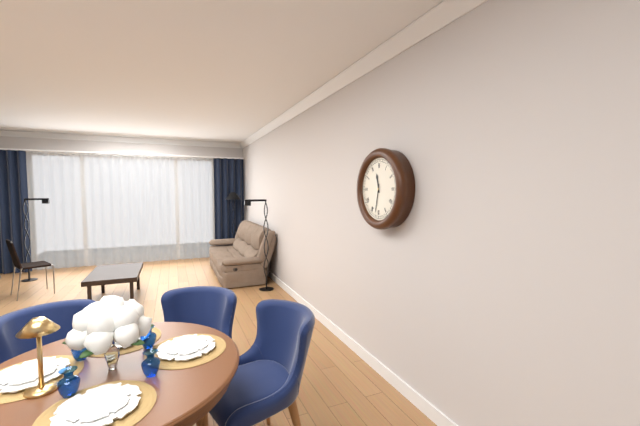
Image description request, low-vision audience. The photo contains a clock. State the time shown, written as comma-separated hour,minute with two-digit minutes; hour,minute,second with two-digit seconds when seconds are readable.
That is 11,32
